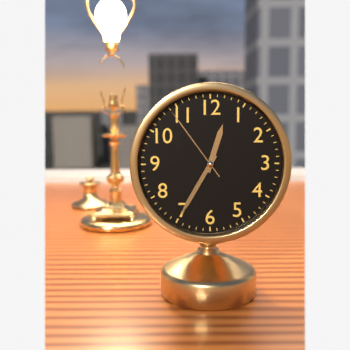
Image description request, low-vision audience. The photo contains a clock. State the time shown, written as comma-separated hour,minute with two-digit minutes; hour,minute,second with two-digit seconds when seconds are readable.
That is 12,35,54
